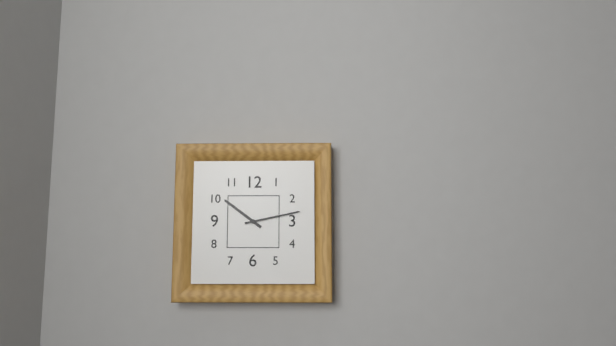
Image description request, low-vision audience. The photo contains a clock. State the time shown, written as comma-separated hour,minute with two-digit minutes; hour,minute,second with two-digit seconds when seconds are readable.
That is 10,13
